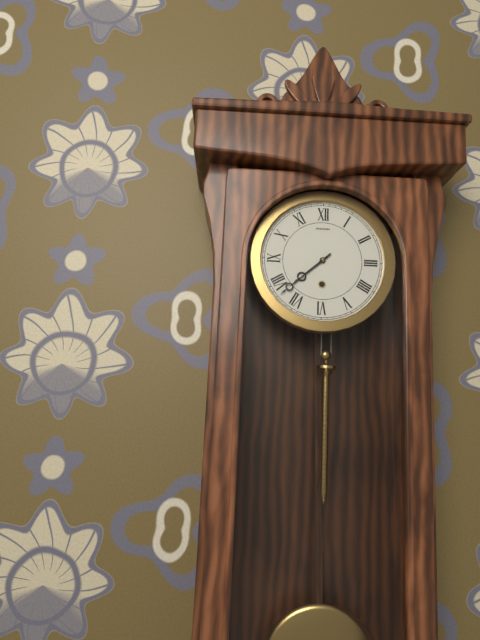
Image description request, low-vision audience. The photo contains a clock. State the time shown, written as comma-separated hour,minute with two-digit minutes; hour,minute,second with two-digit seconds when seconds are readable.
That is 7,38
